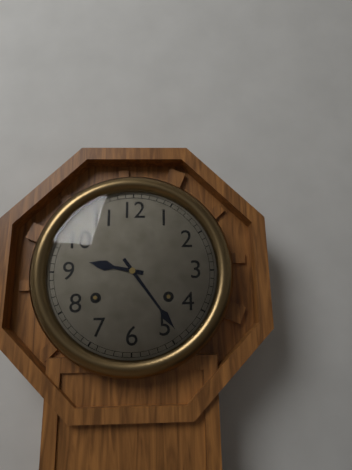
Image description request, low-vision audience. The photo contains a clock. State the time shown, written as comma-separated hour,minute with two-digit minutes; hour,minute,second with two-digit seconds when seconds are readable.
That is 9,24
